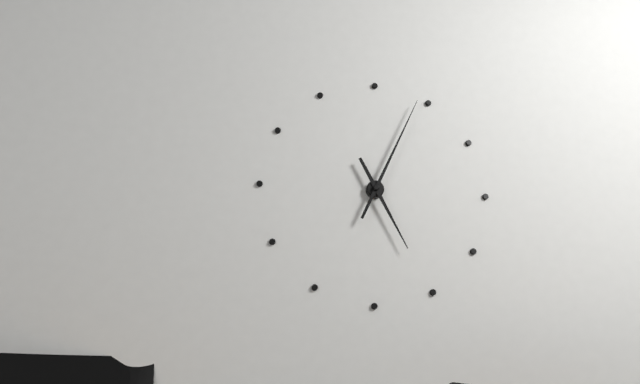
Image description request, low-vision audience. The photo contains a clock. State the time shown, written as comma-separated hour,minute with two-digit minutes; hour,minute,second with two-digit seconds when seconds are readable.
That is 5,04
